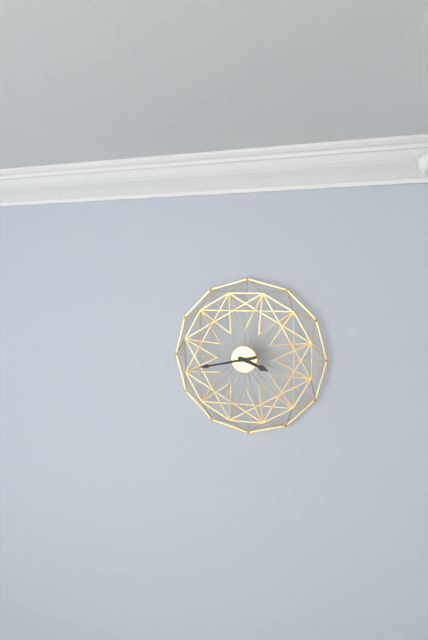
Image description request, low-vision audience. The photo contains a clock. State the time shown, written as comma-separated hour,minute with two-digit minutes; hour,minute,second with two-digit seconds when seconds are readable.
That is 3,43
